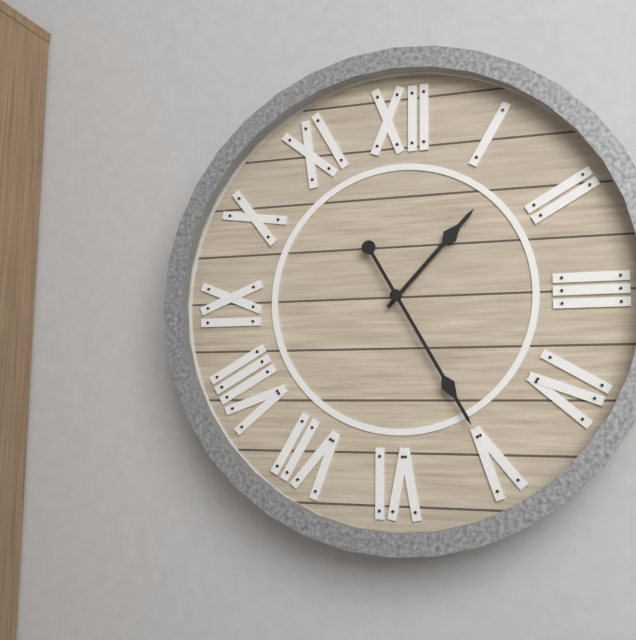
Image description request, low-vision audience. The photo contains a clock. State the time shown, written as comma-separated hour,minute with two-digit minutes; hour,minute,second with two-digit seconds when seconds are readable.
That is 1,25
